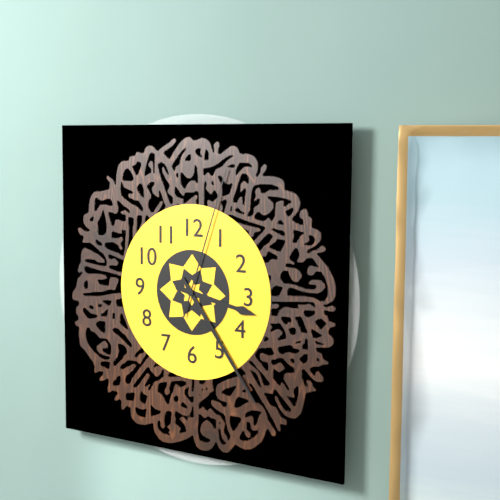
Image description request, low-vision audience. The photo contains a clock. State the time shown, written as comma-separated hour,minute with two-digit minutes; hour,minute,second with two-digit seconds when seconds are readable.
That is 3,24,03
